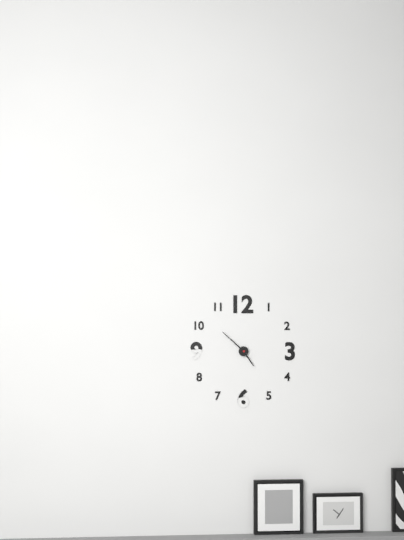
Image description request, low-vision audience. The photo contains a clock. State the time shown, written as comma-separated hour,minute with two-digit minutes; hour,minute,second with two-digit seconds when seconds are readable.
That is 4,52
